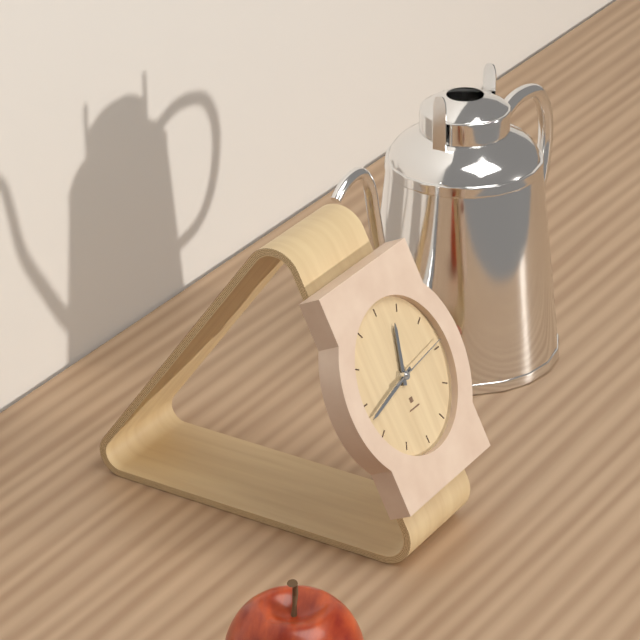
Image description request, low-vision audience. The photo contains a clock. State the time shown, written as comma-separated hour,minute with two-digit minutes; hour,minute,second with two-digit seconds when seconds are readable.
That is 12,43,14
